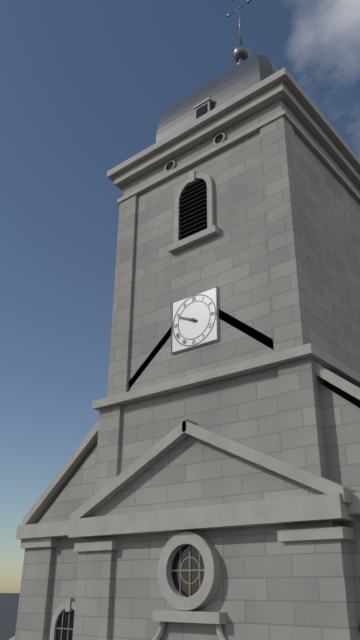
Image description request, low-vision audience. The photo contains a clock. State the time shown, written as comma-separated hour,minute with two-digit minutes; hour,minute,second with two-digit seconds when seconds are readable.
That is 9,49
